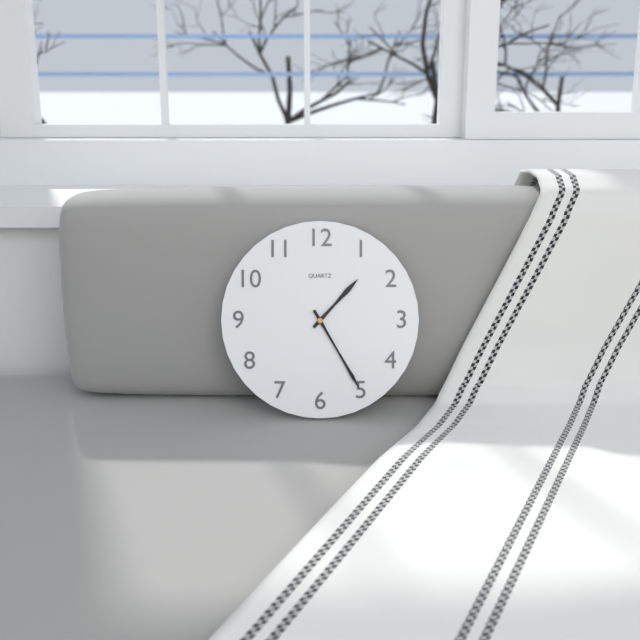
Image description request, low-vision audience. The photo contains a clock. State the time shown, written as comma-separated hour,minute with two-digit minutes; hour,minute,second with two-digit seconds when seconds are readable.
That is 1,25
